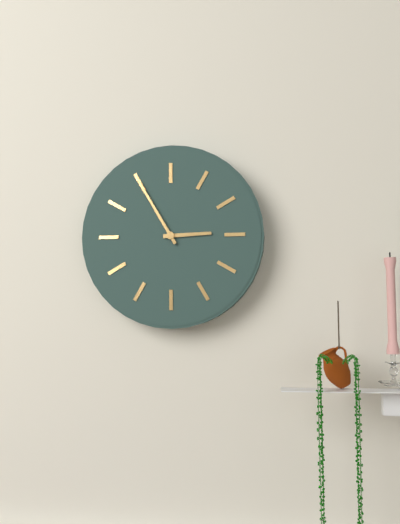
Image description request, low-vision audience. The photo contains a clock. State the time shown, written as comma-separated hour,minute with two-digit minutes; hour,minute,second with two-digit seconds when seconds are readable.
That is 2,55
